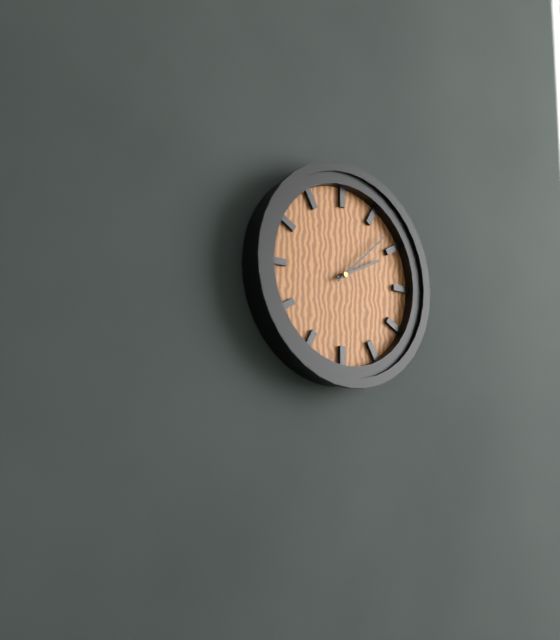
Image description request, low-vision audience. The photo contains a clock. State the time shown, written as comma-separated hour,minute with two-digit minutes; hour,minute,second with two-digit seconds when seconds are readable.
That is 2,08
